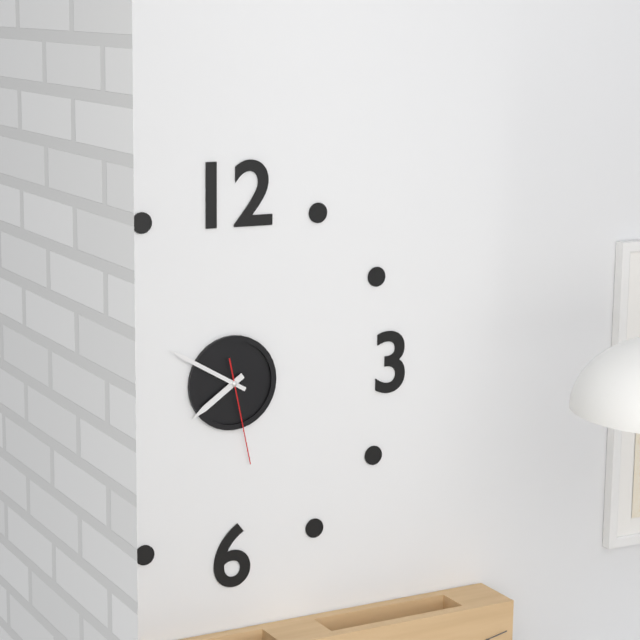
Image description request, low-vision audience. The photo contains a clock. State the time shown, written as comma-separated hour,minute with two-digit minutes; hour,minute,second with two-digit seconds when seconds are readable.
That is 7,50,28
